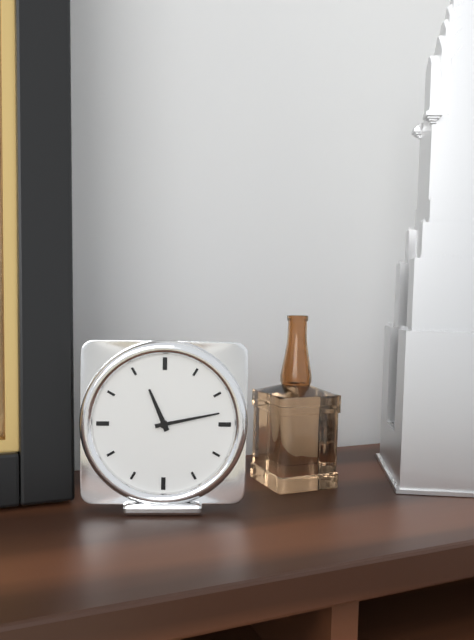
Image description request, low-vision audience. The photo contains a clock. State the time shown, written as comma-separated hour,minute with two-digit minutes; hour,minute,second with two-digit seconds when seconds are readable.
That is 11,13
